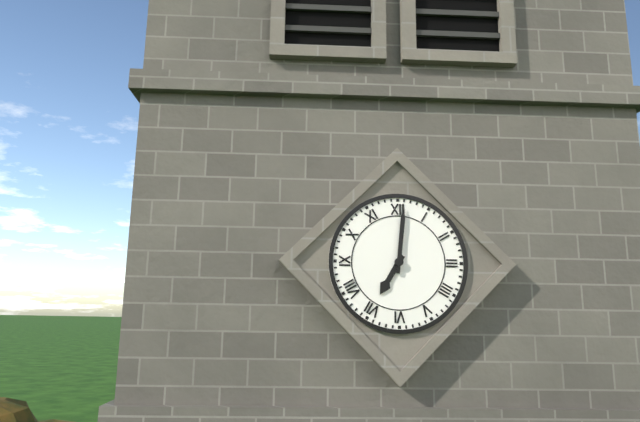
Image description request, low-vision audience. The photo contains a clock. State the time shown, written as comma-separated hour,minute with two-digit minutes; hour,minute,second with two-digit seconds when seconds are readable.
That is 7,01
